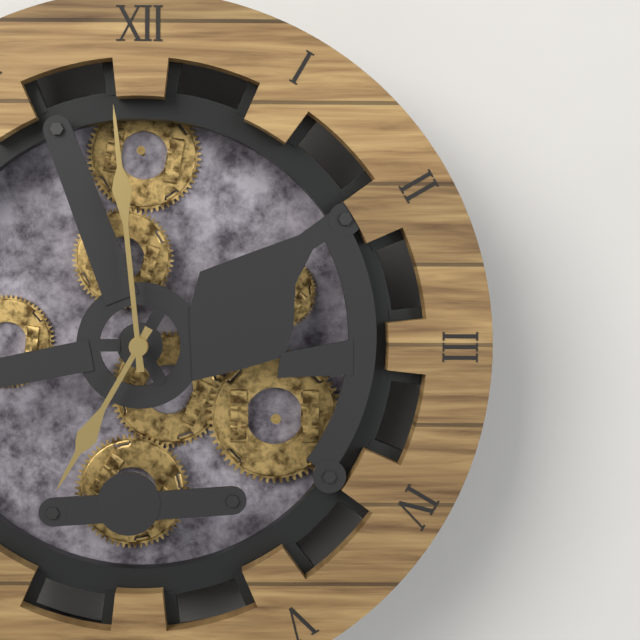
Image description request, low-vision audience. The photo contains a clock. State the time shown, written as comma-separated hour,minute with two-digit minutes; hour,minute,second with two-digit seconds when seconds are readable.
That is 6,59
